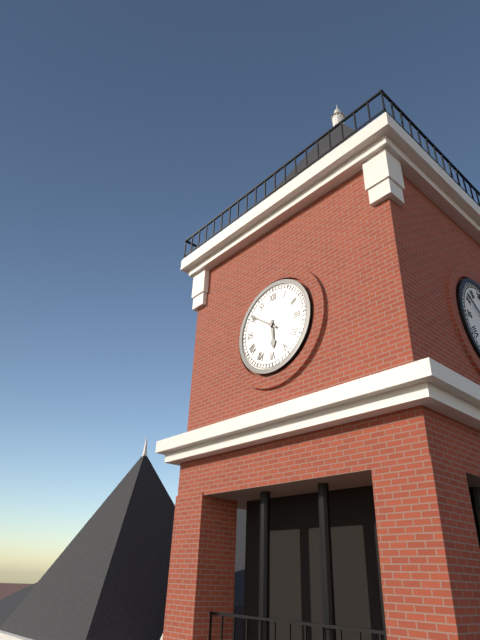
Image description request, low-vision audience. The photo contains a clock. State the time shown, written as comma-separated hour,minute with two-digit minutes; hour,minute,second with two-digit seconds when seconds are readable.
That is 5,51
